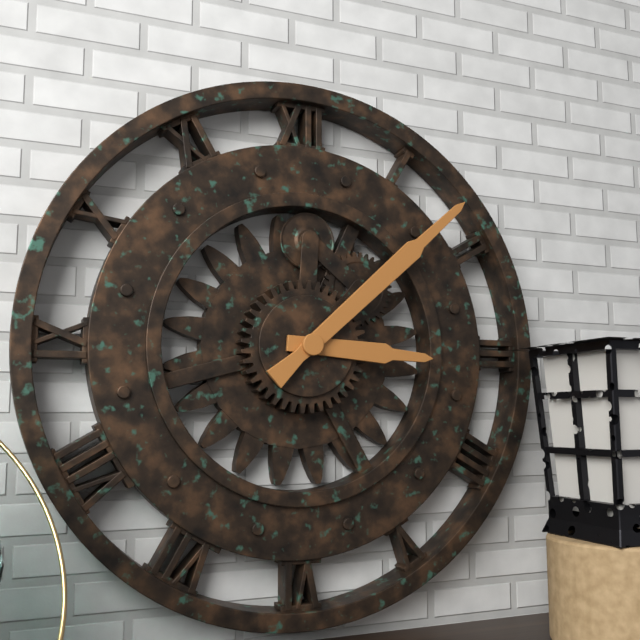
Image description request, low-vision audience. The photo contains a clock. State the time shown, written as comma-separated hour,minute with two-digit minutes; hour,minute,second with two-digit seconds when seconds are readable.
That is 3,08
